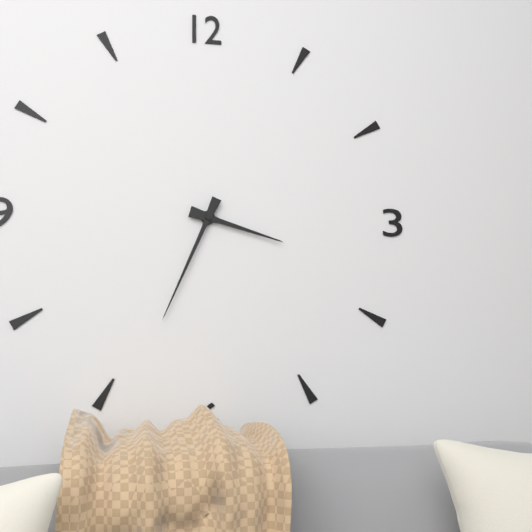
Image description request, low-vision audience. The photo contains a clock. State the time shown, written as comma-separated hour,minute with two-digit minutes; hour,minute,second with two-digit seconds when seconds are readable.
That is 3,34
